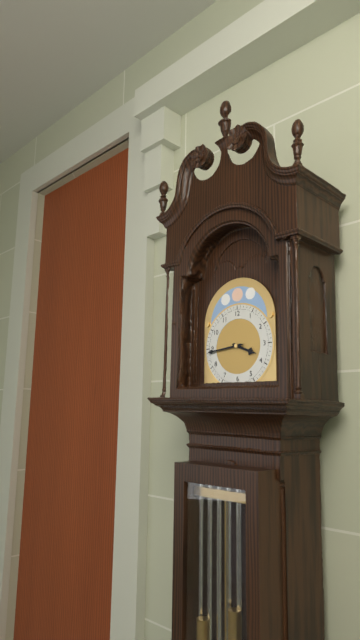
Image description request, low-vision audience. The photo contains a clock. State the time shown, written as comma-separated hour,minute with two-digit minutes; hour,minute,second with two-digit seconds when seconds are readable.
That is 3,44
